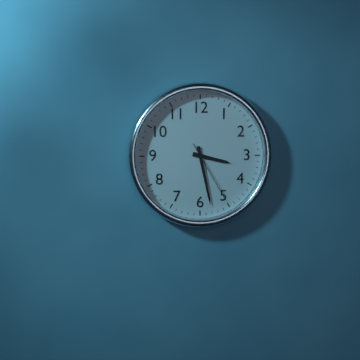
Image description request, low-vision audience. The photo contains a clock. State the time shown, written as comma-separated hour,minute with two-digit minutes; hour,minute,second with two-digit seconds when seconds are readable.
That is 3,28,25
